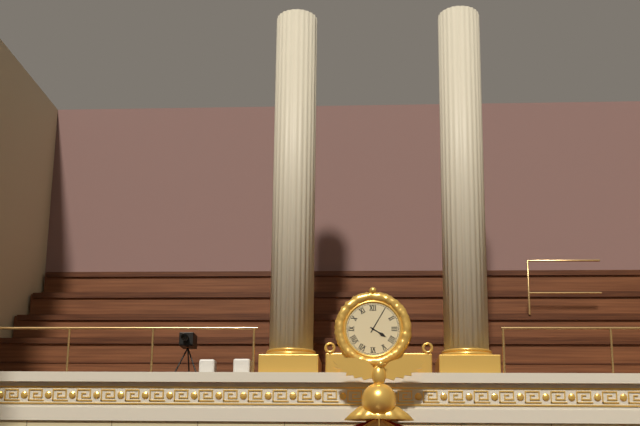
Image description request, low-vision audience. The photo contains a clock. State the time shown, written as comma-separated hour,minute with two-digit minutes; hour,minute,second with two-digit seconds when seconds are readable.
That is 4,05
